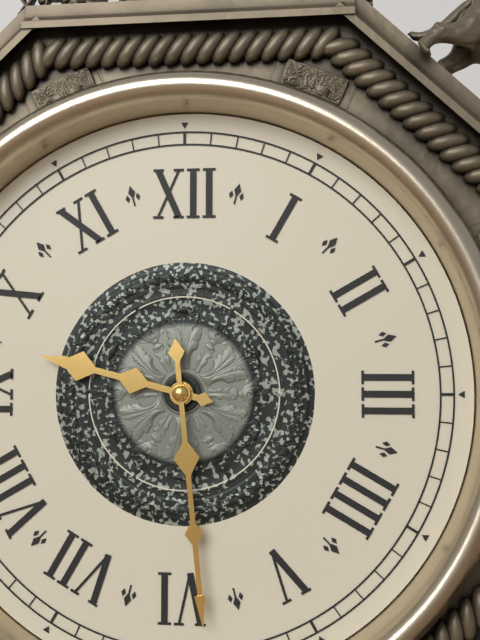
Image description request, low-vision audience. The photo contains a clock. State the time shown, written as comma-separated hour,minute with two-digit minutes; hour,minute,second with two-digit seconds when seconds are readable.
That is 9,29
